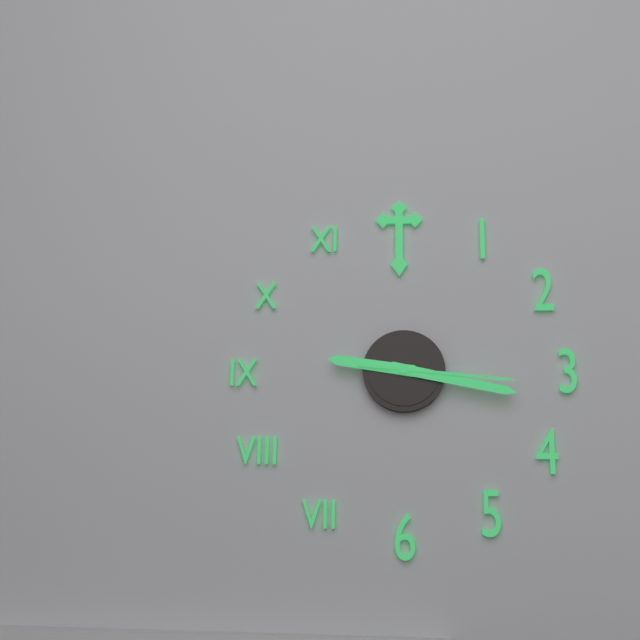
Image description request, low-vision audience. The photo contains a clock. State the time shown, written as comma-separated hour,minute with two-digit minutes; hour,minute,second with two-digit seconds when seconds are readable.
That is 9,17,16
